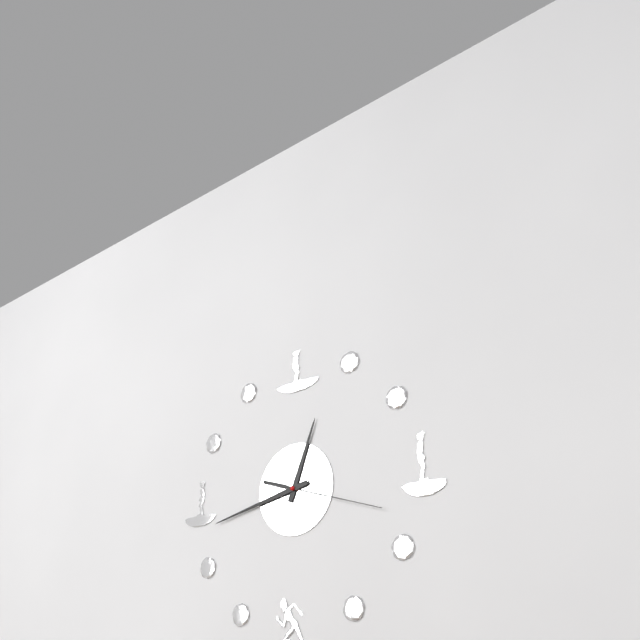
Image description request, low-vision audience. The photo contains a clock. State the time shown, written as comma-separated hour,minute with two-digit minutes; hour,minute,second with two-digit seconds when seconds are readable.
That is 12,43,18
